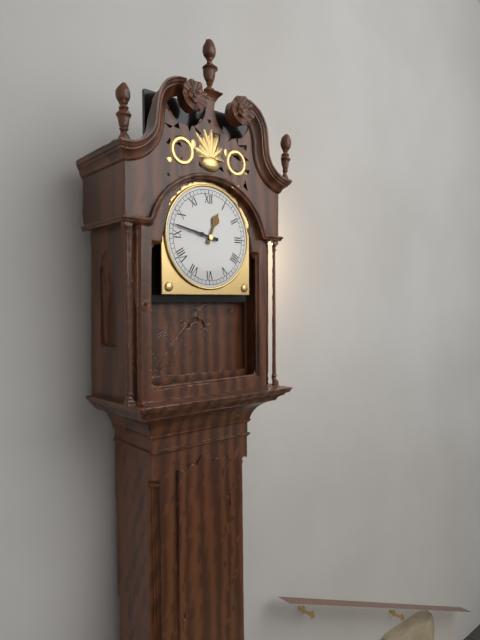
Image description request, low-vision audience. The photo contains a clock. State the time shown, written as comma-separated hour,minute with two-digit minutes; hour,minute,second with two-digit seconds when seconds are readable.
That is 12,47
